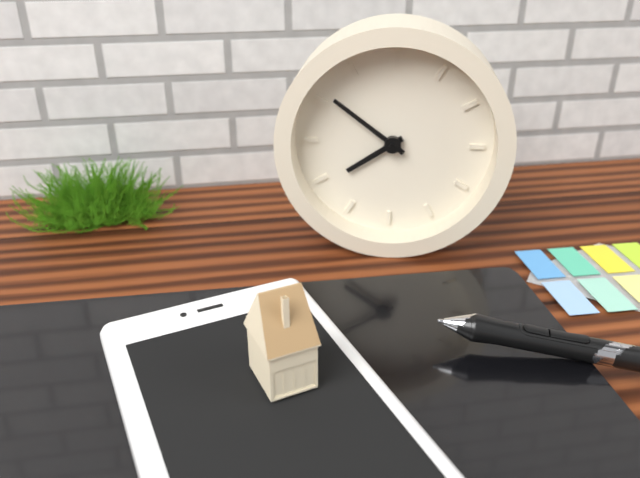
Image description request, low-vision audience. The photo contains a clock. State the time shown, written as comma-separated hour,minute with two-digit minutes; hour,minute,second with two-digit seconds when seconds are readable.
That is 7,51
